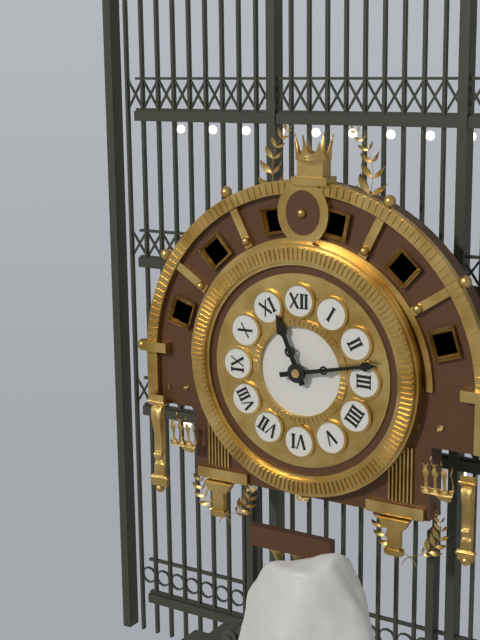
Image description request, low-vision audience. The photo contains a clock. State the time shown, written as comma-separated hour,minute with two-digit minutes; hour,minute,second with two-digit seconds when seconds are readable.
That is 11,13
